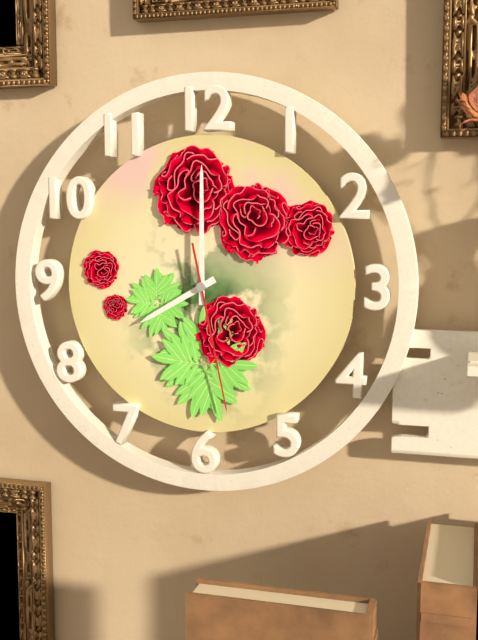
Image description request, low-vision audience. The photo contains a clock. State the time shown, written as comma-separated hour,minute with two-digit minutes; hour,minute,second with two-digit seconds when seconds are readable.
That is 8,00,28
